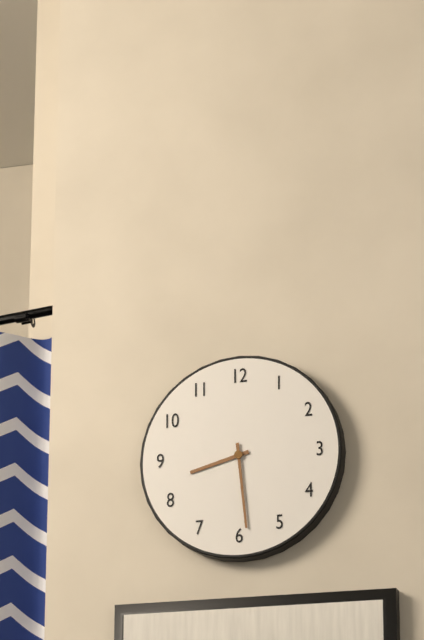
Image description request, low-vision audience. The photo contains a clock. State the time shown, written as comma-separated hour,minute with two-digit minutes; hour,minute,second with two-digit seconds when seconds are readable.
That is 8,29
